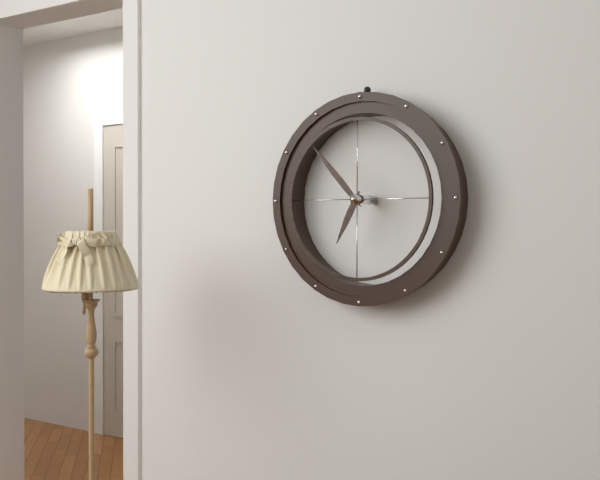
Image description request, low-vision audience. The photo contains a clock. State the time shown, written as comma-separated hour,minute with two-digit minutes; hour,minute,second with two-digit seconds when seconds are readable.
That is 6,53
